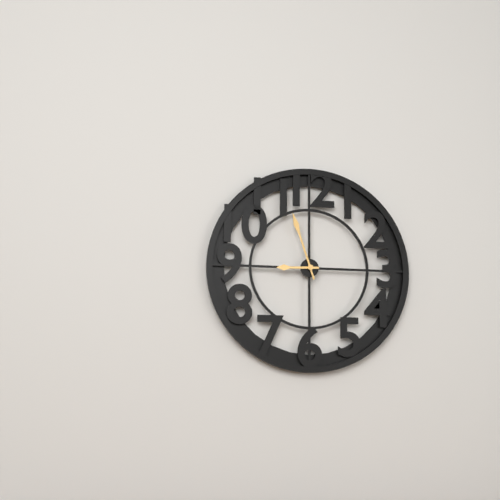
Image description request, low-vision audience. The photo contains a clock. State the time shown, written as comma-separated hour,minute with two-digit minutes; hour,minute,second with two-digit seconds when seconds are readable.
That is 8,57
